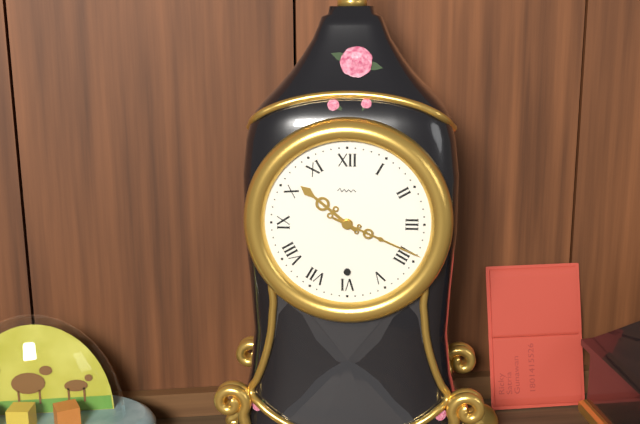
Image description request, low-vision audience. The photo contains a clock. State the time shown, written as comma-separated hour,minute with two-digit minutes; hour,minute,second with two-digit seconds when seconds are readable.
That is 10,19
